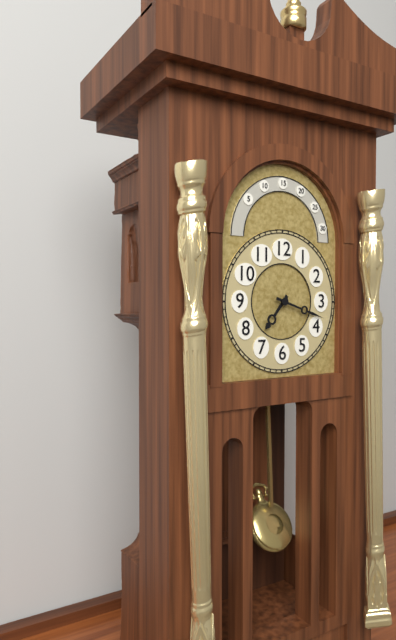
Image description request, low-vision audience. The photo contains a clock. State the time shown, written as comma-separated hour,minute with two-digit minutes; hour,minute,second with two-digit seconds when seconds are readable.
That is 7,18
